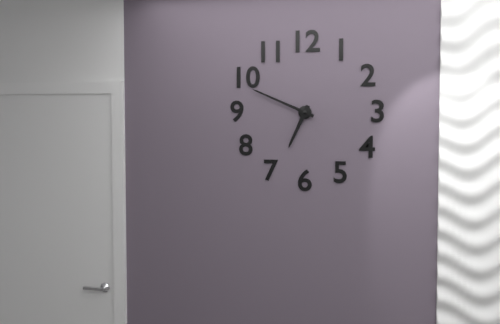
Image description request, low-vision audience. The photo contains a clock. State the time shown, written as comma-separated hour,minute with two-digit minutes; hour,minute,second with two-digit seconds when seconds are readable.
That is 6,49
